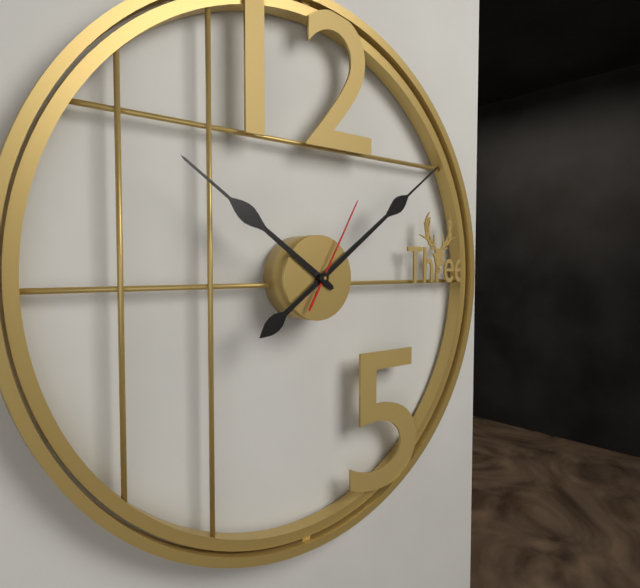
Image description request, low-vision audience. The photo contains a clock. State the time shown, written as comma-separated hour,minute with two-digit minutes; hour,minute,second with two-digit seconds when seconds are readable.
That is 10,09,05
